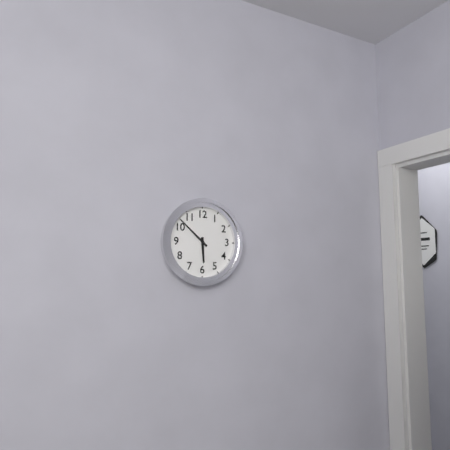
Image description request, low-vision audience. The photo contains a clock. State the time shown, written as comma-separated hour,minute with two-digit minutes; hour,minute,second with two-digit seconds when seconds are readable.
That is 5,52
